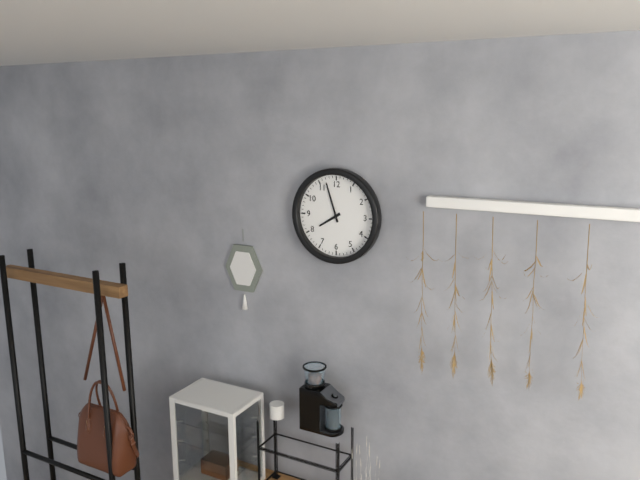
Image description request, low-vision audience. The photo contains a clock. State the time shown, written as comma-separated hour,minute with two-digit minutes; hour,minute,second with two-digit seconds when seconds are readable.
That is 7,57
